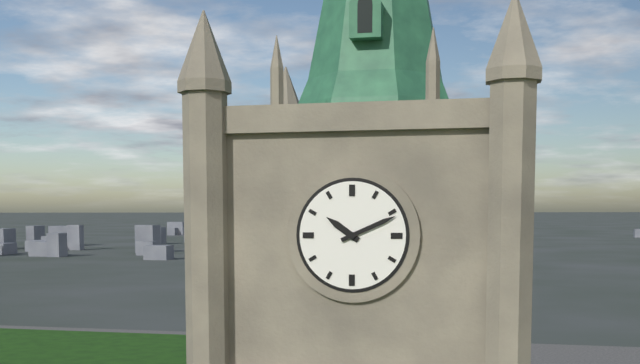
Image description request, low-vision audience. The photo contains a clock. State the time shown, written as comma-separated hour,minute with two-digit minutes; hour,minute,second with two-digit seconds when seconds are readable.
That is 10,11
